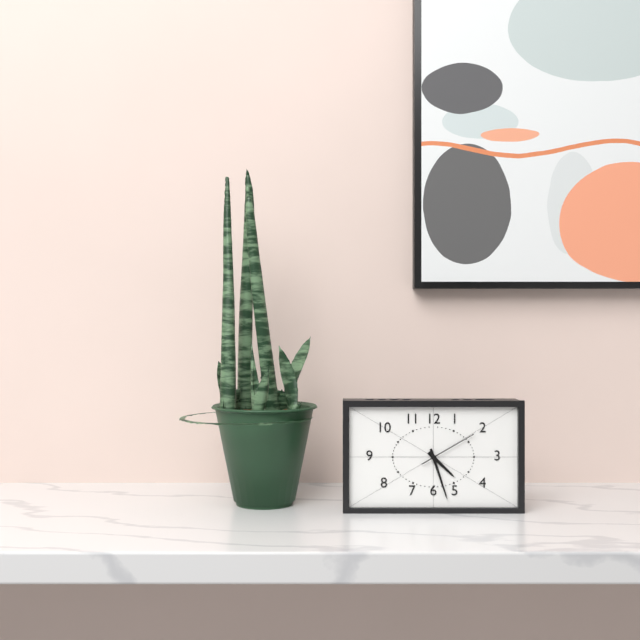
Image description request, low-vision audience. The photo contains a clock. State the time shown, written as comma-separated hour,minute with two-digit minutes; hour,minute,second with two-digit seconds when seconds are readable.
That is 4,27,10
